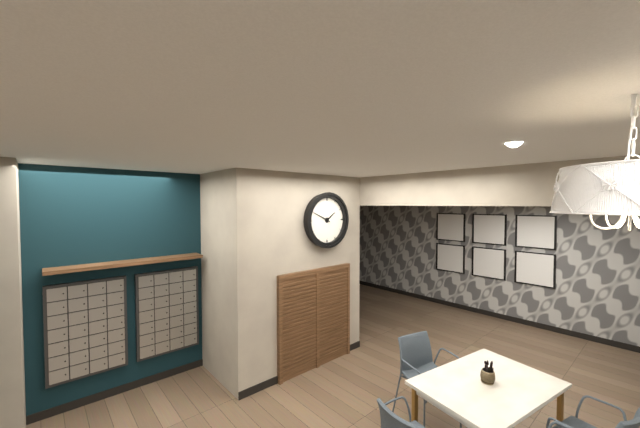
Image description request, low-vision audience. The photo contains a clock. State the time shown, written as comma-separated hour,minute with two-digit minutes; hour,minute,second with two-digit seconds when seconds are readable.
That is 1,49
